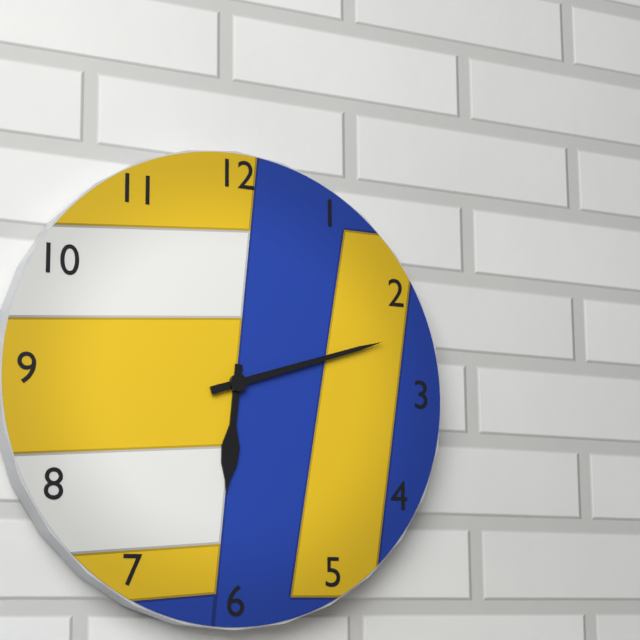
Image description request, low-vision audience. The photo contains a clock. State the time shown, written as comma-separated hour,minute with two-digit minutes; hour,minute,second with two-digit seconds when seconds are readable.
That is 6,12
